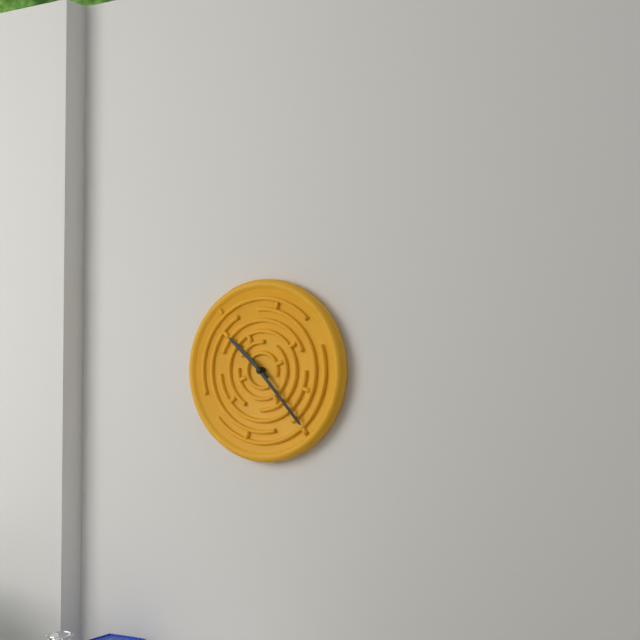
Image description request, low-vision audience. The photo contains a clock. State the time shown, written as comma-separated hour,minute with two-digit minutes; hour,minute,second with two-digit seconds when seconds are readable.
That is 10,23
